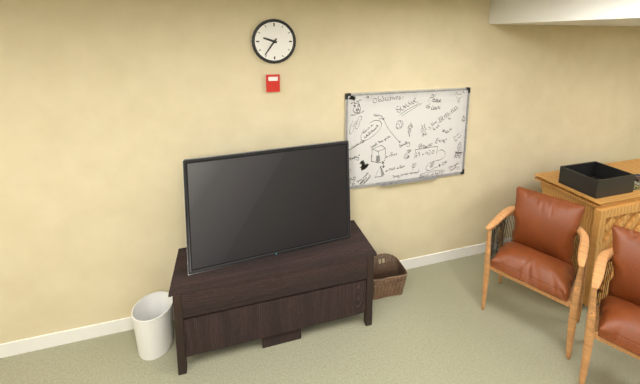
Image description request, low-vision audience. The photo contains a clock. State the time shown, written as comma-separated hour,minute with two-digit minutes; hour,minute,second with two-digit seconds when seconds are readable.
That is 9,36
